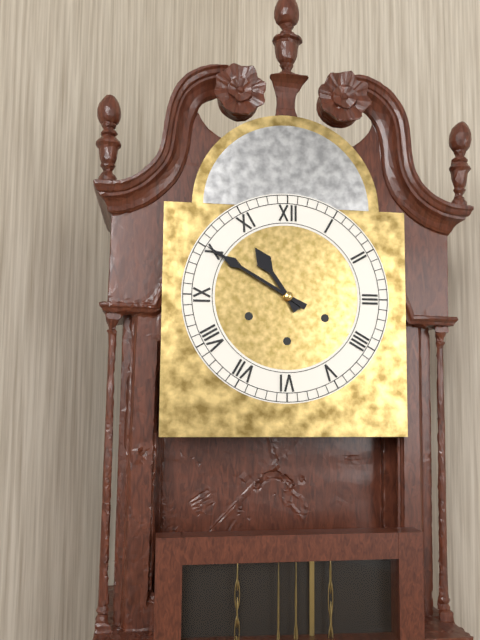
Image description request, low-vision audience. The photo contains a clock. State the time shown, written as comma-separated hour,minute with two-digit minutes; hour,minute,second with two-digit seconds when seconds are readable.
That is 10,50
